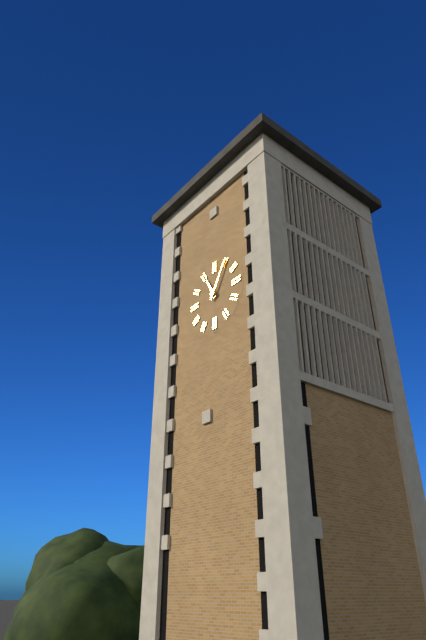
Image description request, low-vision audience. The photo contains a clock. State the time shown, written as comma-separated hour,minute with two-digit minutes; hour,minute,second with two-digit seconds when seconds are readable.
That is 11,05
